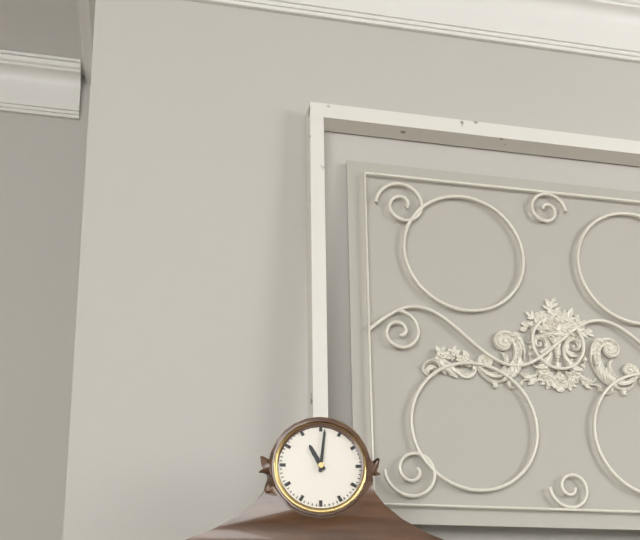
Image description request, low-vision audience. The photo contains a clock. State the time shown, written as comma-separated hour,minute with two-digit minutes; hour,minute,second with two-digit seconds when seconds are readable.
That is 11,01
